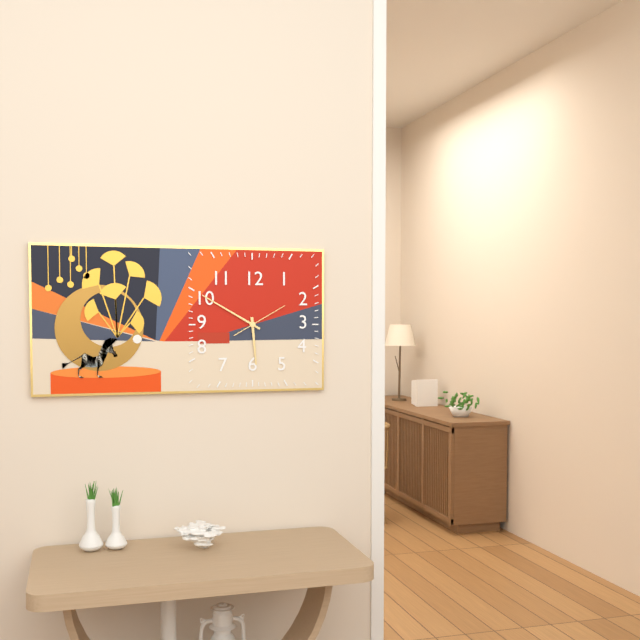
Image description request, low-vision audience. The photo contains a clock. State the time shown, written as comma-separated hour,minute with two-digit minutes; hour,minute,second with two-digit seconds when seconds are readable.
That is 5,50
